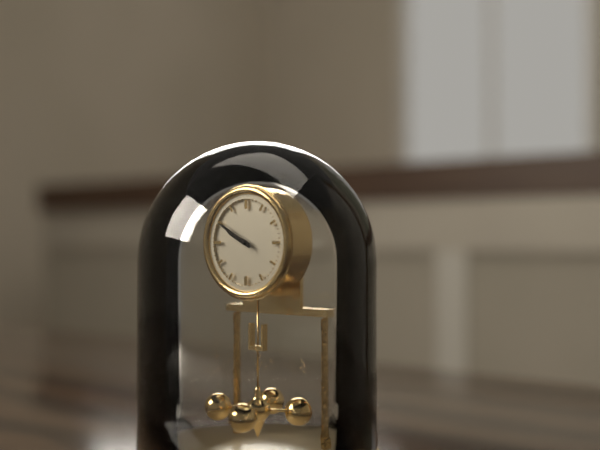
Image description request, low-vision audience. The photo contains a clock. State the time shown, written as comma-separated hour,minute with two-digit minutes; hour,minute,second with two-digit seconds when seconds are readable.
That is 9,50
